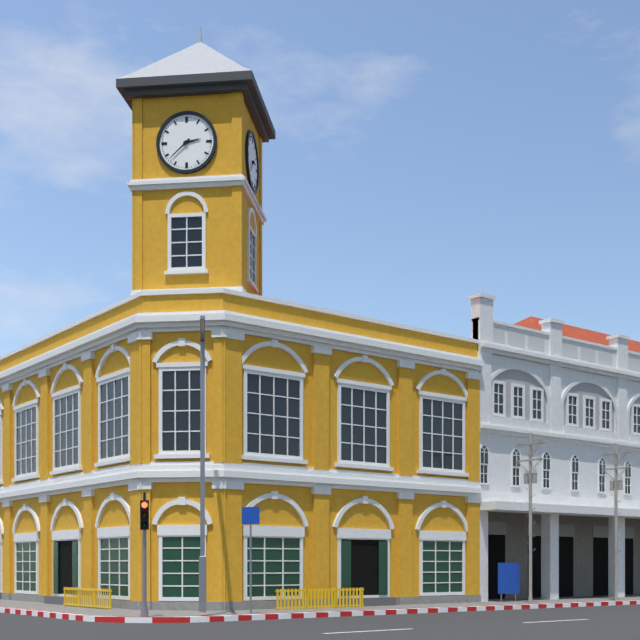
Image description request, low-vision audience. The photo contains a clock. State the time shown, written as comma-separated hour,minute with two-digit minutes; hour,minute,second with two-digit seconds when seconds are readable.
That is 2,38
